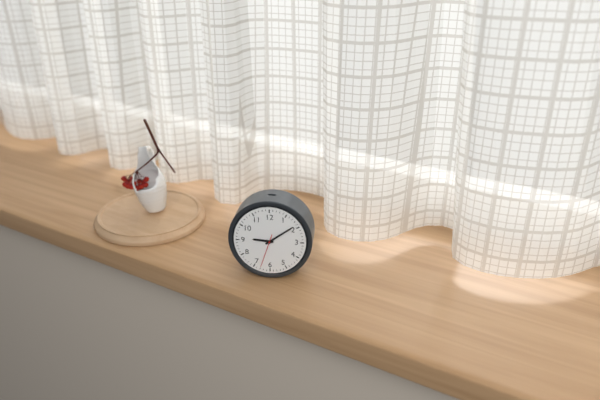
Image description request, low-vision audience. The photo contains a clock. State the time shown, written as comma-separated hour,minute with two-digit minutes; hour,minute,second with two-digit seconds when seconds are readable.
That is 9,09
